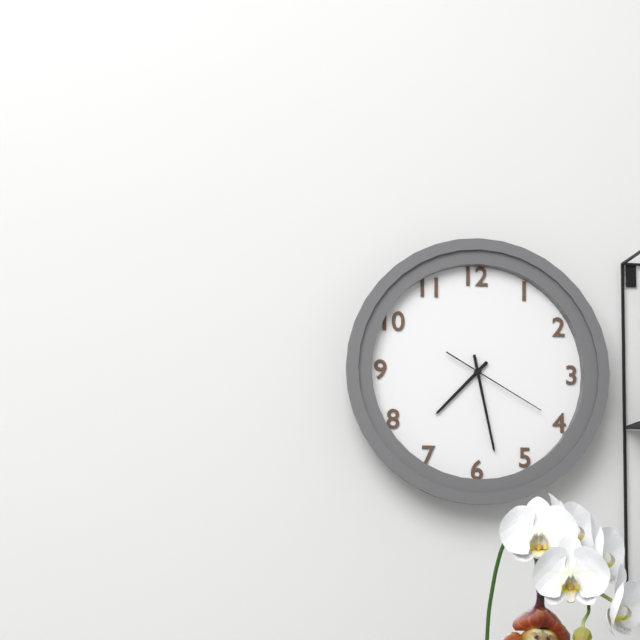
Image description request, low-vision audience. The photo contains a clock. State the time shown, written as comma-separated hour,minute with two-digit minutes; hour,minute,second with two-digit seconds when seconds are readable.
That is 7,28,20
